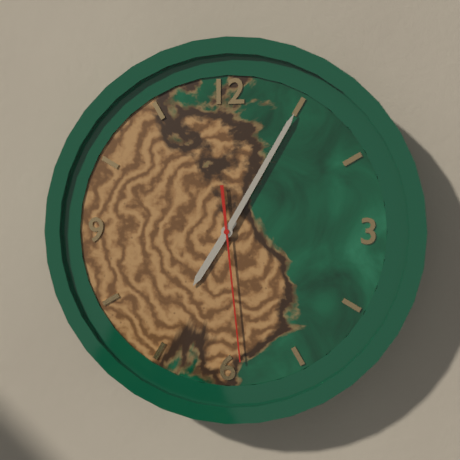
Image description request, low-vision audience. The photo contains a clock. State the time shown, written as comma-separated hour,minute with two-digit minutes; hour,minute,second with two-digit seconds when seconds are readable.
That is 7,05,29
